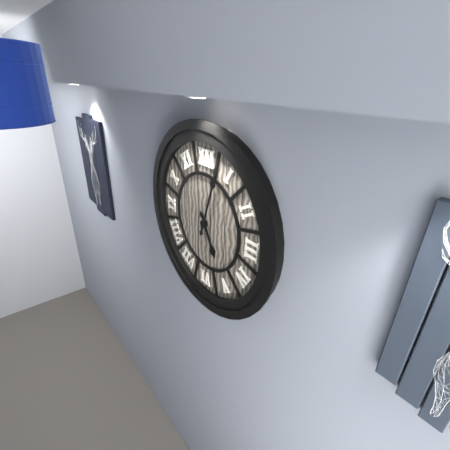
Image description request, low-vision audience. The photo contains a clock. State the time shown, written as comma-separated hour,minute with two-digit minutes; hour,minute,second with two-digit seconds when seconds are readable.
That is 5,03
